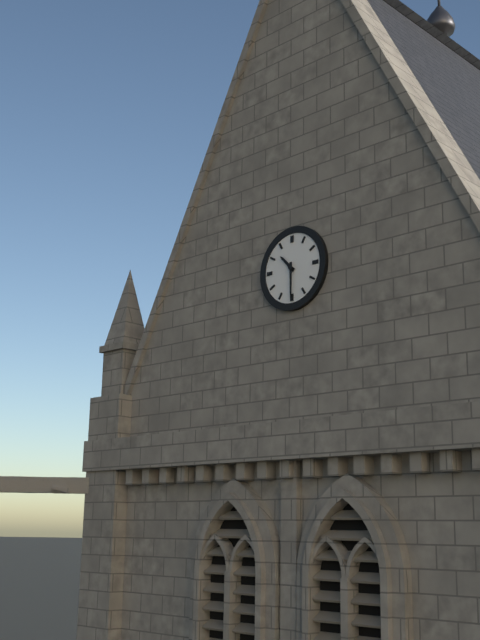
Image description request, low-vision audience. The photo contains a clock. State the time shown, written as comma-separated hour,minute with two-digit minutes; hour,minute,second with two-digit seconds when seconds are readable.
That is 10,30
